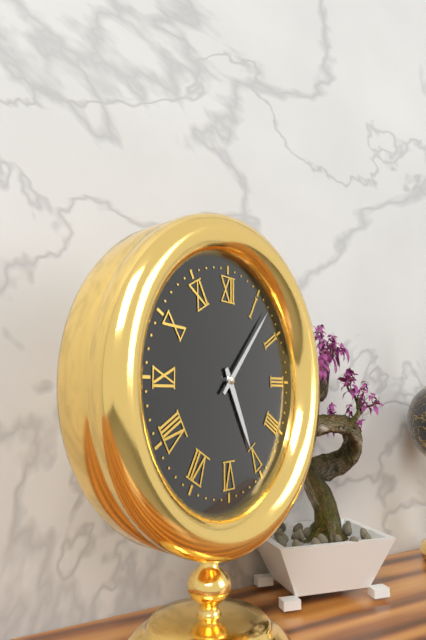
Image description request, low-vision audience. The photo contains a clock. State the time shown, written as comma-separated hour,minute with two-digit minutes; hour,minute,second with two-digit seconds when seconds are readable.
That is 5,07
